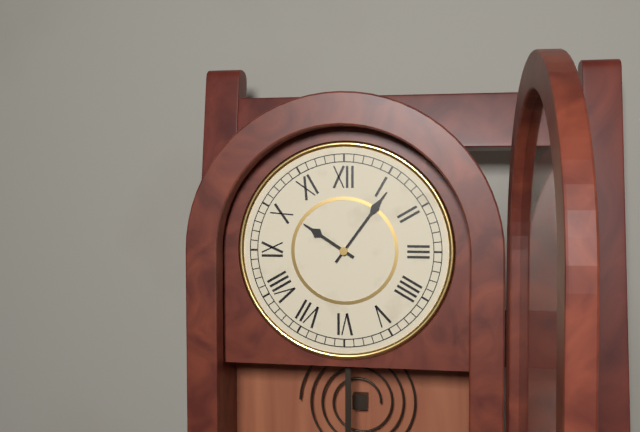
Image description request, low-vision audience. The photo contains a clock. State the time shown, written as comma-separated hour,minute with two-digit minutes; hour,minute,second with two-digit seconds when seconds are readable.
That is 10,06
